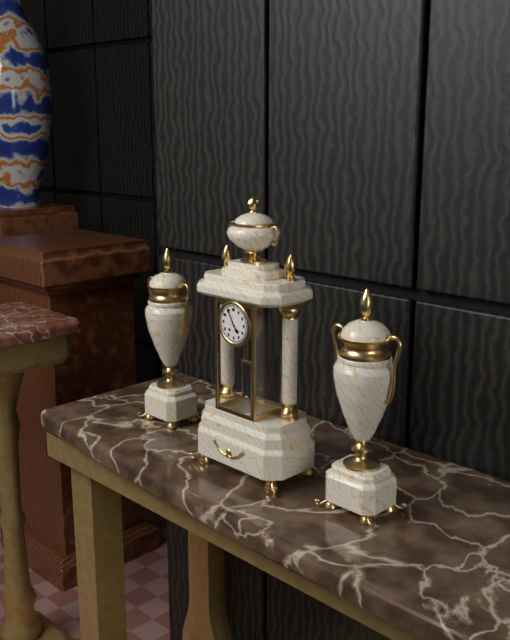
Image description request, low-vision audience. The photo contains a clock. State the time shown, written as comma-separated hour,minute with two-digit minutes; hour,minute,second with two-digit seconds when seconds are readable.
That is 4,55
